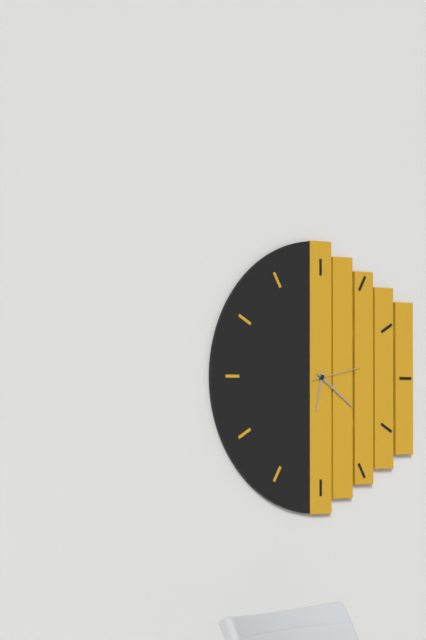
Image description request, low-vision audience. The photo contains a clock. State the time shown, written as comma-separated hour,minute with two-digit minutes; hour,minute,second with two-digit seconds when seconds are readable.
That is 6,21,13
